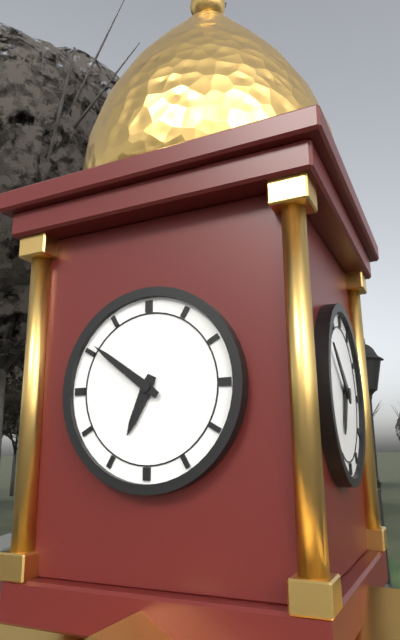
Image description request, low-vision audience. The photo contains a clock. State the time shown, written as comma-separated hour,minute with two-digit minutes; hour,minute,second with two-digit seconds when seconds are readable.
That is 6,51
